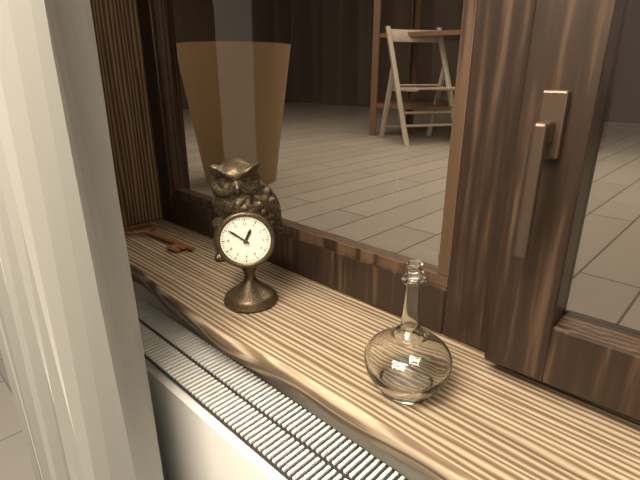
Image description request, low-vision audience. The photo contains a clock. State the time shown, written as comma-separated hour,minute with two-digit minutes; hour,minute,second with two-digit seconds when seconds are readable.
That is 12,51
